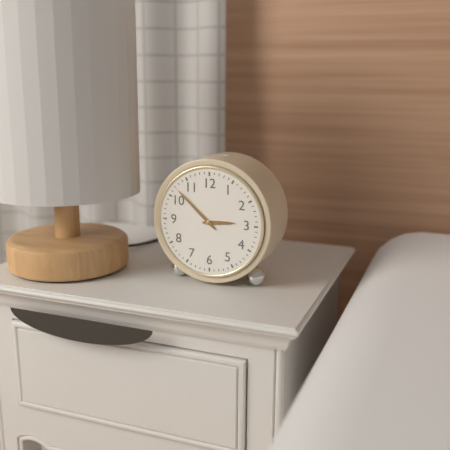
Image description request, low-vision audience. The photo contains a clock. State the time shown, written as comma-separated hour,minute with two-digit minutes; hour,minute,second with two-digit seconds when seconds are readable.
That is 2,52
